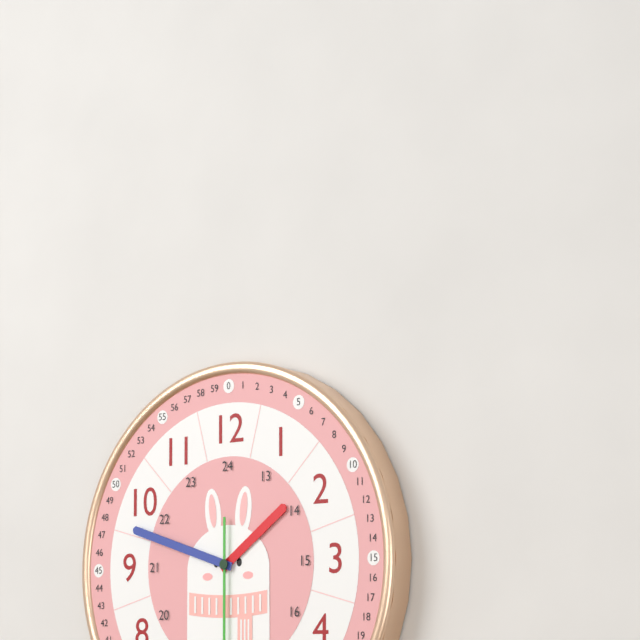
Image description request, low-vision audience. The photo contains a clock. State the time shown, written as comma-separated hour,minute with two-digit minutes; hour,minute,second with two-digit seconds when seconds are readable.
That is 1,48
